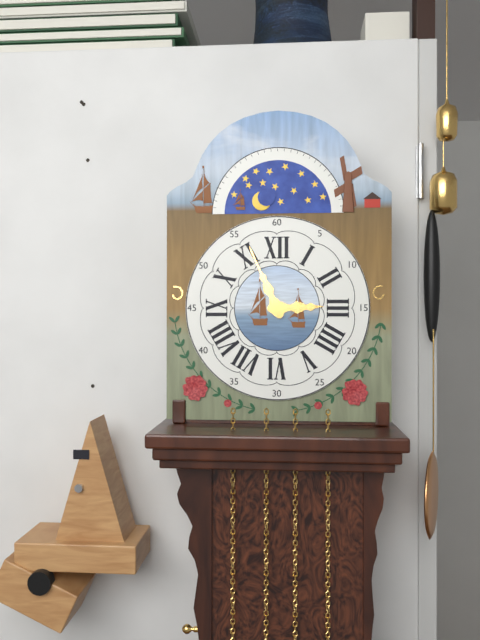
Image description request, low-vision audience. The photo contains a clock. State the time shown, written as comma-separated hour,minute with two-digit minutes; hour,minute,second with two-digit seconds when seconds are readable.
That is 2,56
